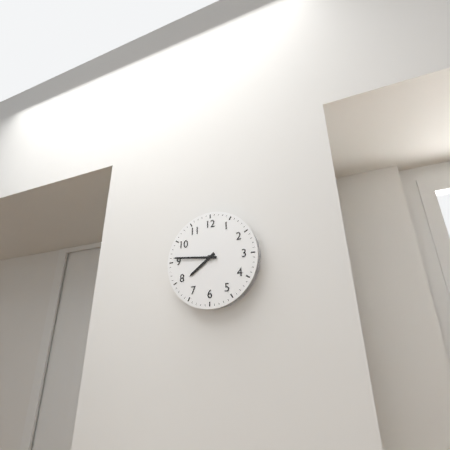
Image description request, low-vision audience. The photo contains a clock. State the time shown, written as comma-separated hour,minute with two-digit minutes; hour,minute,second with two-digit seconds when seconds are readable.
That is 7,46
